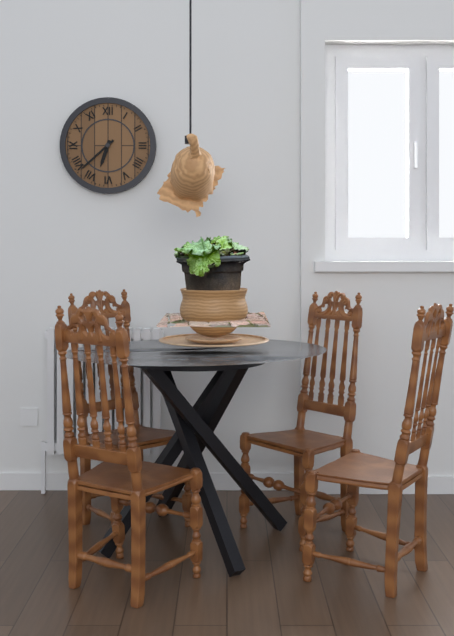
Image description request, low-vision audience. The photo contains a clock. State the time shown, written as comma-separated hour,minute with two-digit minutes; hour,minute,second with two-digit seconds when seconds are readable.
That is 6,38
